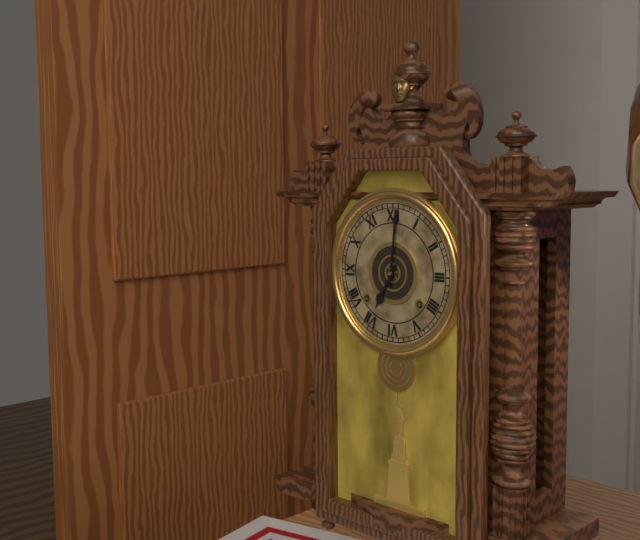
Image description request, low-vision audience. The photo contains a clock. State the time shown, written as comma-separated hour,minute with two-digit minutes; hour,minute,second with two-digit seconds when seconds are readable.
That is 7,01
